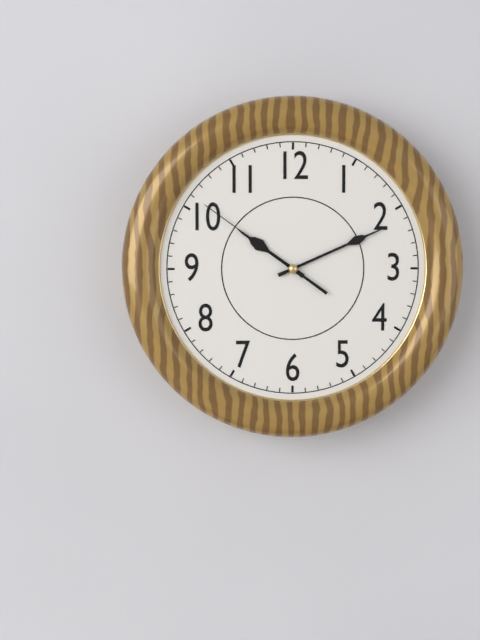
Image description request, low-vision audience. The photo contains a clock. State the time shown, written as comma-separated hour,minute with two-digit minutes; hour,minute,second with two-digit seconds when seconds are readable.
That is 10,11,51
